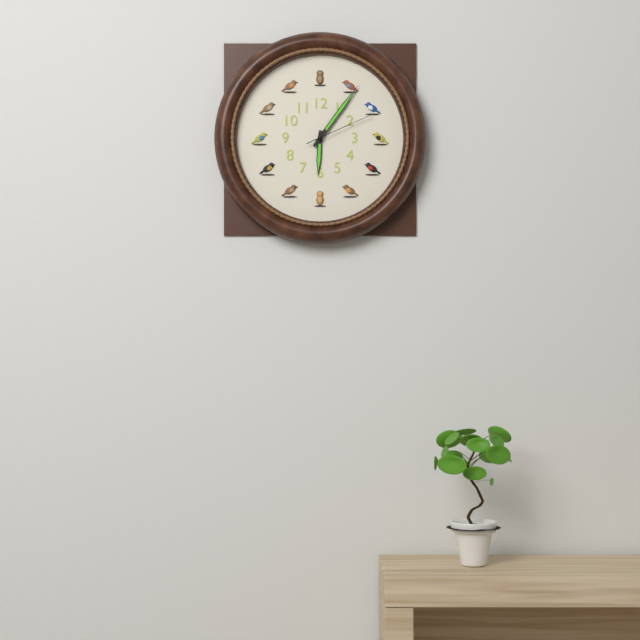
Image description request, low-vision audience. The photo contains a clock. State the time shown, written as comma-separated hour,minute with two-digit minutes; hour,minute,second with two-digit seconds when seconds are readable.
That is 6,06,11
